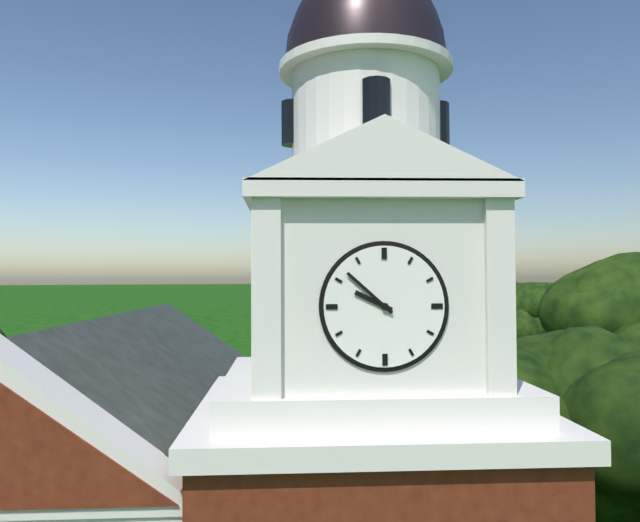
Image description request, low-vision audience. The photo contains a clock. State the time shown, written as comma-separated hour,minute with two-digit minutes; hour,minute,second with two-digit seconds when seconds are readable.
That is 9,52
